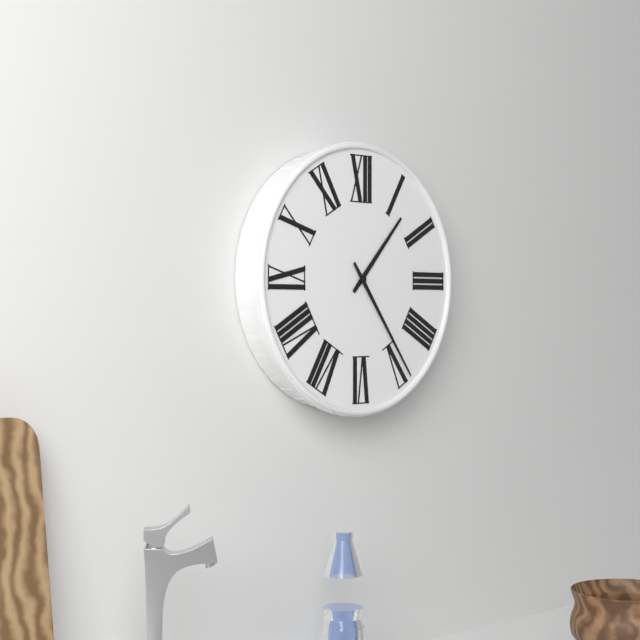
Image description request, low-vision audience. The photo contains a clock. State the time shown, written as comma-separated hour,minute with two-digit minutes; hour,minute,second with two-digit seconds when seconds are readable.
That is 1,24
